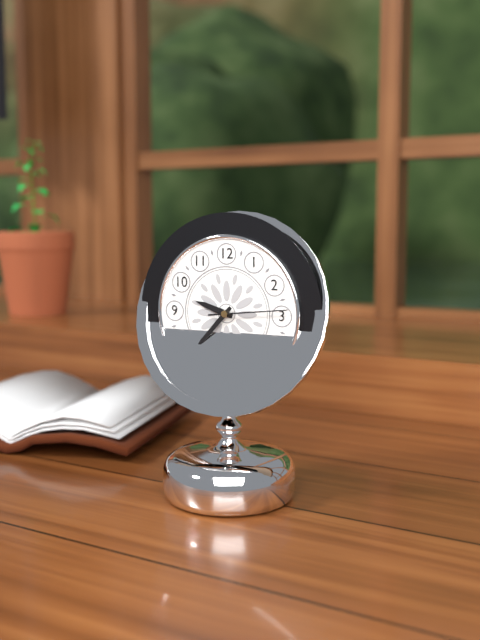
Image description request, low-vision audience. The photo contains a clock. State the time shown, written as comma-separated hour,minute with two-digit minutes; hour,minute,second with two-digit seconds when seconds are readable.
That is 9,37,14
